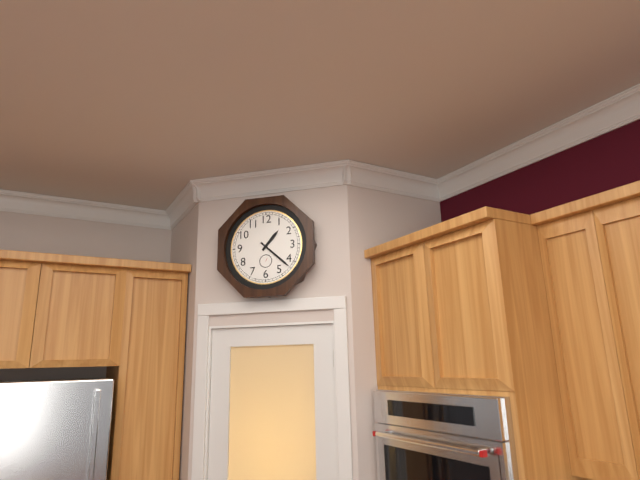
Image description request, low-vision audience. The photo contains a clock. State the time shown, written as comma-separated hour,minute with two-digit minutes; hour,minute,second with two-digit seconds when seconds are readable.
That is 1,22
